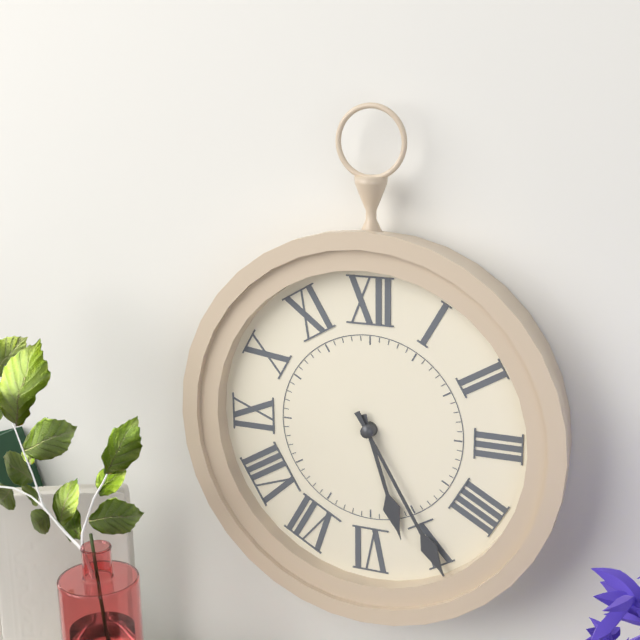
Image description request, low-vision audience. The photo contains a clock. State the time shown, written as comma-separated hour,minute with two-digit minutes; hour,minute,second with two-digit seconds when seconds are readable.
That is 5,25
